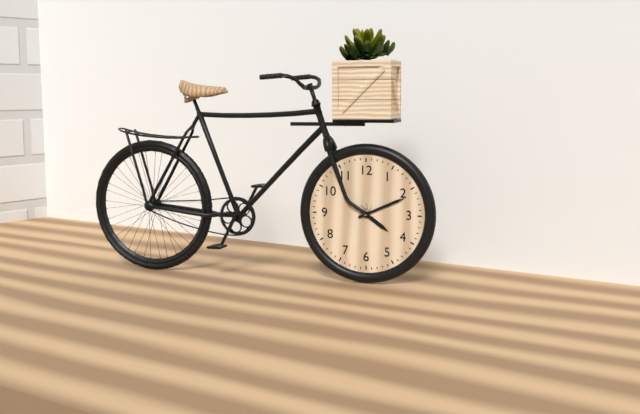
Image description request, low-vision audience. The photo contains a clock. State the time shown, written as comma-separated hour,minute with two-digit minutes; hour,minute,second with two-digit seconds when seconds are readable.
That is 4,11
